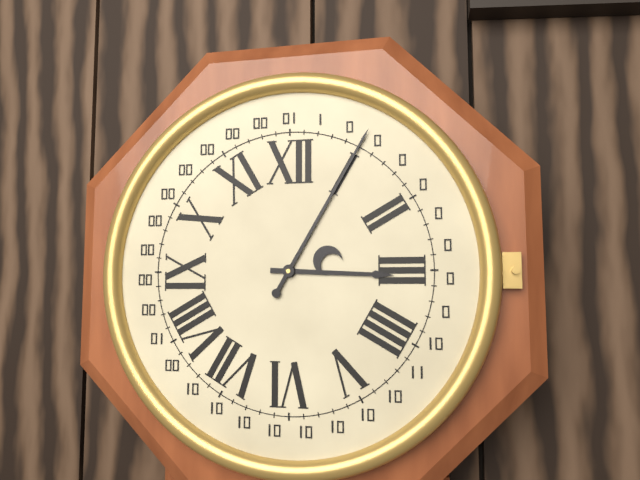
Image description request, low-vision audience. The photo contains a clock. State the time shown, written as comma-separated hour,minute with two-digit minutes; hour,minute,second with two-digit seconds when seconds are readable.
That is 3,05
